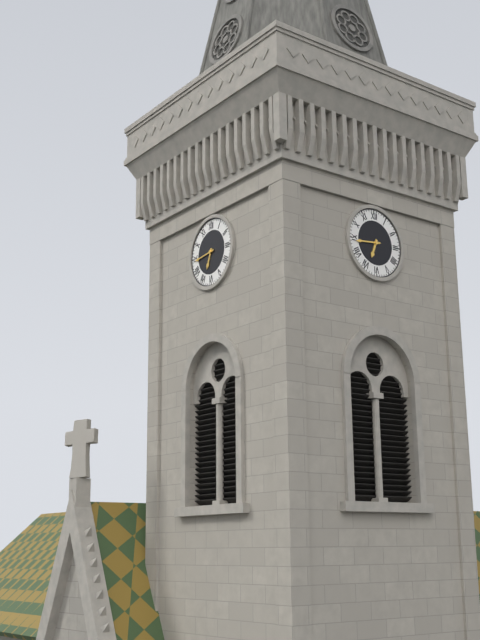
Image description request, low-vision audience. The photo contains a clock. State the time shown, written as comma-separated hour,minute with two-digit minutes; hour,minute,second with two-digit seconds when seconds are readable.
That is 6,44
